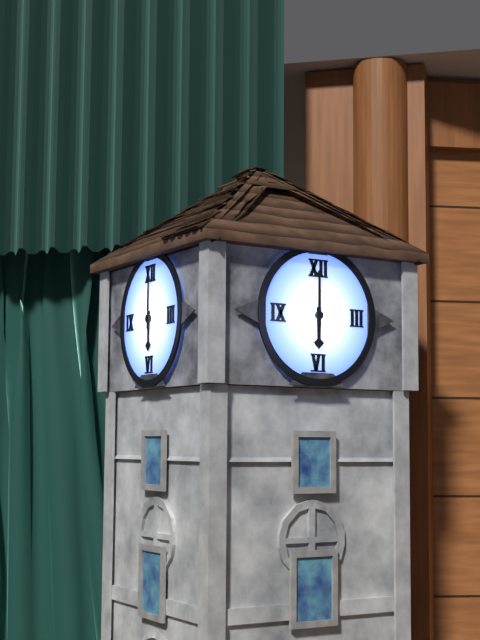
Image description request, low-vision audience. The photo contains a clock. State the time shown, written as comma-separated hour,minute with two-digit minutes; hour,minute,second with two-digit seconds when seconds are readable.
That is 6,00
